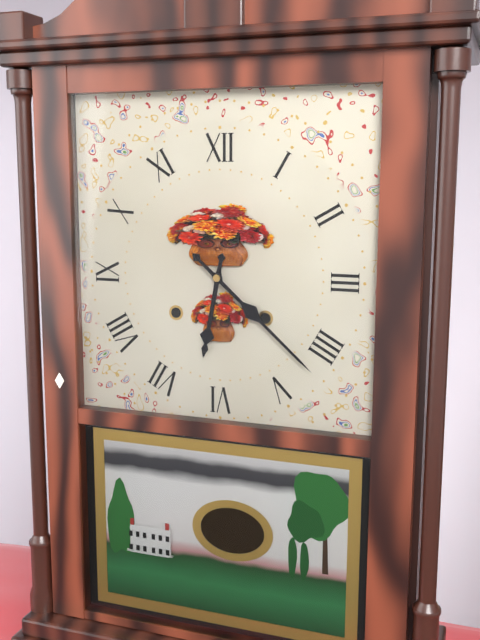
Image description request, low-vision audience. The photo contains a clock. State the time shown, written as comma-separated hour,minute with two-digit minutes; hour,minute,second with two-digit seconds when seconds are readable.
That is 6,22
